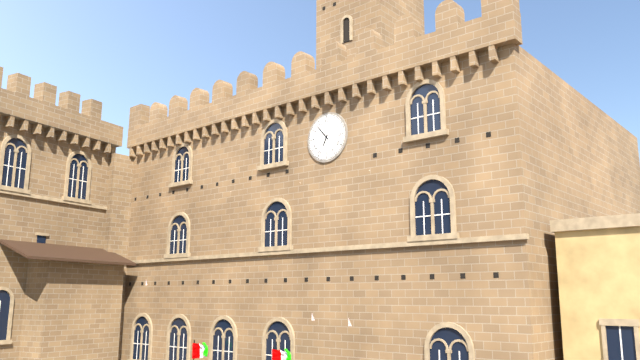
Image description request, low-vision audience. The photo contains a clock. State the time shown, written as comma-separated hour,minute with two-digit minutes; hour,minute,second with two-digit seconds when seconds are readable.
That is 6,53
